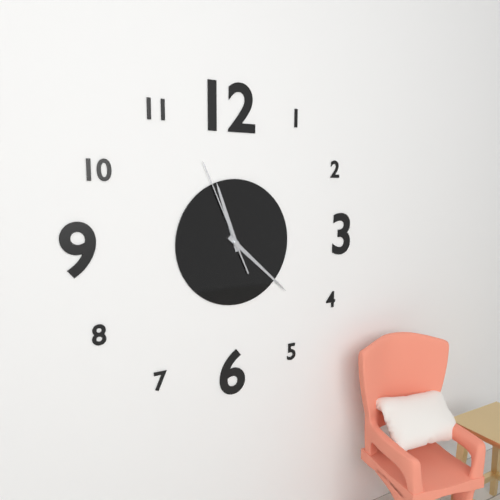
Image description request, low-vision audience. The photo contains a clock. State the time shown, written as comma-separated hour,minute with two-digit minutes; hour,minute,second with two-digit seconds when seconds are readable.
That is 11,22,56
